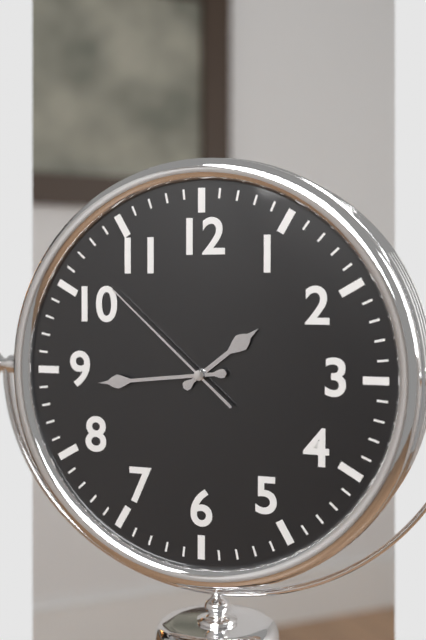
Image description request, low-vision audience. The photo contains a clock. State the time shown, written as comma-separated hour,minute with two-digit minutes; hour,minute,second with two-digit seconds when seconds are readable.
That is 1,44,52
